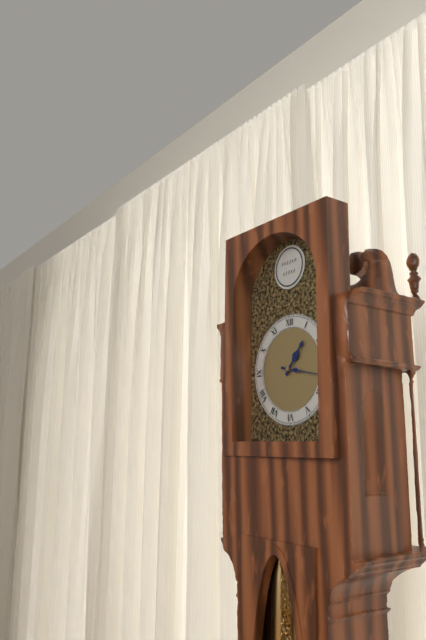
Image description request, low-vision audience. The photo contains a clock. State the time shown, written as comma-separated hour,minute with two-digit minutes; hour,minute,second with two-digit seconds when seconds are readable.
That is 1,17
